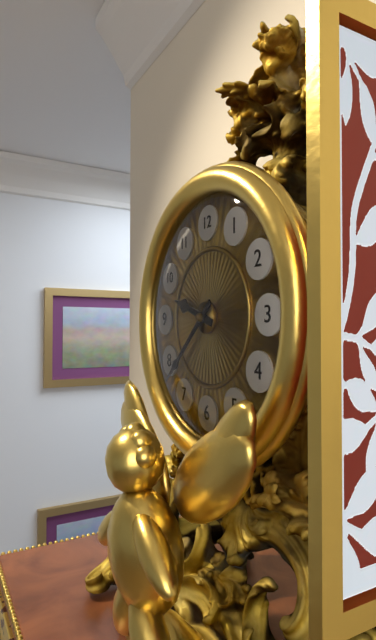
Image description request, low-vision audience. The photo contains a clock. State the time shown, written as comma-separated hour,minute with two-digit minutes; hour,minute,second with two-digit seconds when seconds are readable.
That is 9,38
